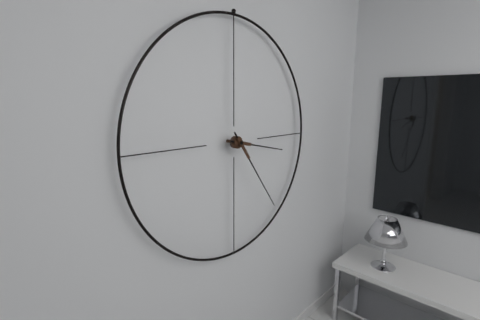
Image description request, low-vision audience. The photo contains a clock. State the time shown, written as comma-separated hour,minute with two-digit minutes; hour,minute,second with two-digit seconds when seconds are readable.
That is 3,24
